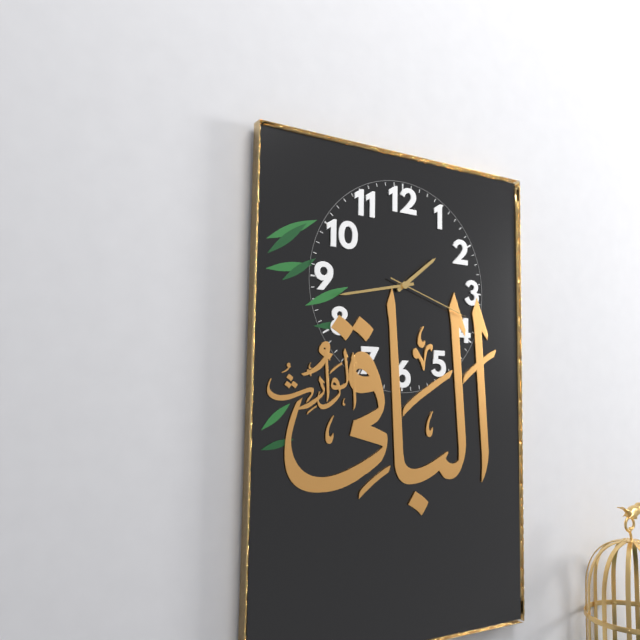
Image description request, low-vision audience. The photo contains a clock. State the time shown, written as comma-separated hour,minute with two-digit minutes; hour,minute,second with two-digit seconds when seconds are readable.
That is 1,43,18
